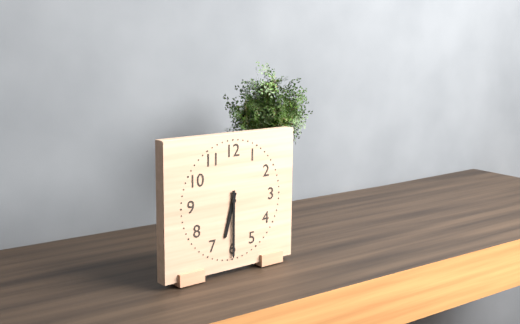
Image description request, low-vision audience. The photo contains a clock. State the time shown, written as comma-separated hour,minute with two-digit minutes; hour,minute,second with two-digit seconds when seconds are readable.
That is 6,30
